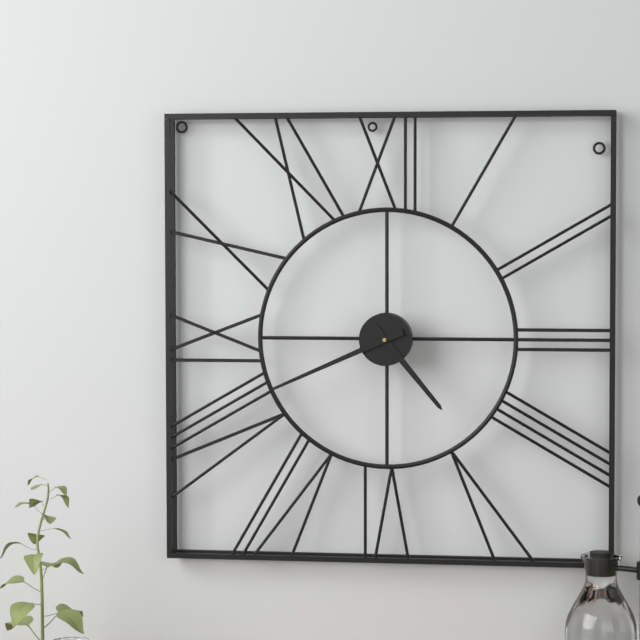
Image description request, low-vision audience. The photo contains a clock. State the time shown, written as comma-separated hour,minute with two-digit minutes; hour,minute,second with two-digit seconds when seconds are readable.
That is 4,41
